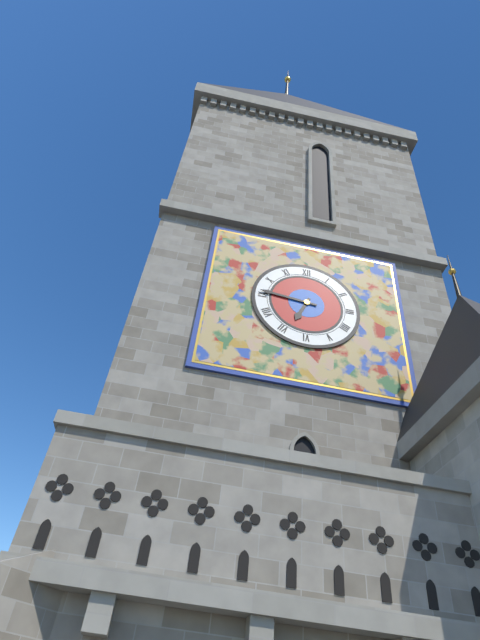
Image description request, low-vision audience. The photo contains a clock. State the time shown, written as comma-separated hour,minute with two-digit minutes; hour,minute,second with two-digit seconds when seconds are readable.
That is 6,46
